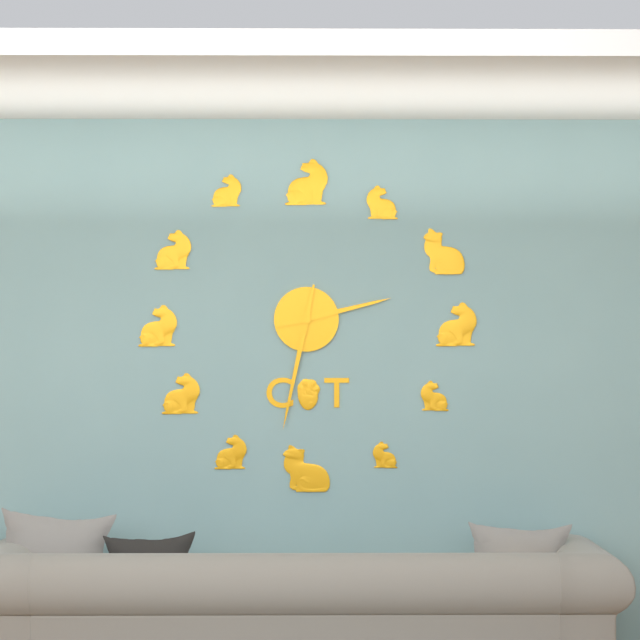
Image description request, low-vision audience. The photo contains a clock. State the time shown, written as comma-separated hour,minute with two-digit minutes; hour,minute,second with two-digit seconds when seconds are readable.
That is 2,32
